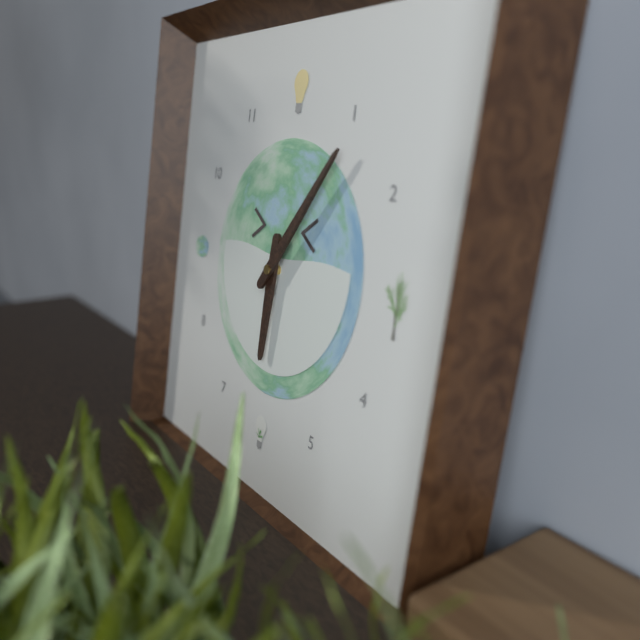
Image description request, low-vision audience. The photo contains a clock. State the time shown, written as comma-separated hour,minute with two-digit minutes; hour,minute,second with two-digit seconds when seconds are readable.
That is 6,06
